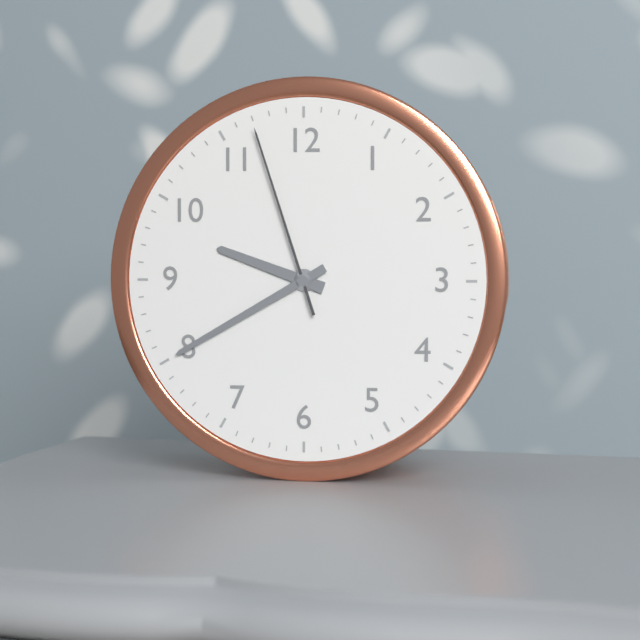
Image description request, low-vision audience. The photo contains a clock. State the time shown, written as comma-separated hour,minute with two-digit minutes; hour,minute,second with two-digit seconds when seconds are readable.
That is 9,40,57
